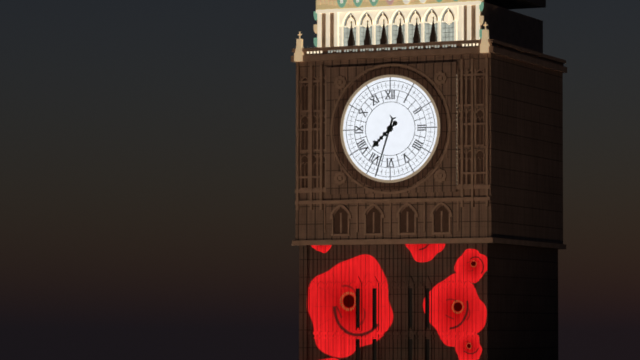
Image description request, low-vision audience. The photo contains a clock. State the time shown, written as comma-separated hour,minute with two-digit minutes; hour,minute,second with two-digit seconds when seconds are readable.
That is 7,33
